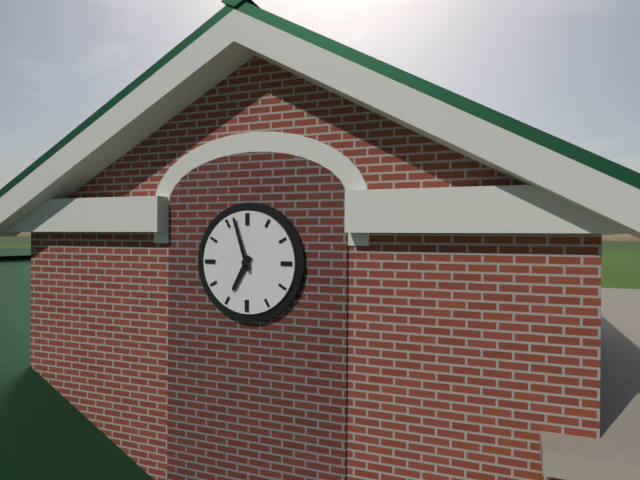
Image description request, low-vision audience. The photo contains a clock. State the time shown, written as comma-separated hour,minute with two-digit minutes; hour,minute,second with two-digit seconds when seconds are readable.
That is 6,57
